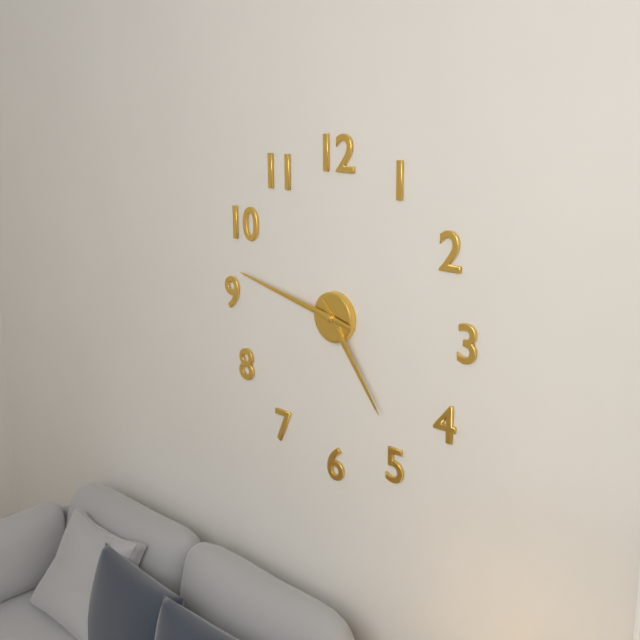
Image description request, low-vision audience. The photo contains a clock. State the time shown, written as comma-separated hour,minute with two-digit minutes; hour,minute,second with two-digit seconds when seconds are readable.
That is 4,47
